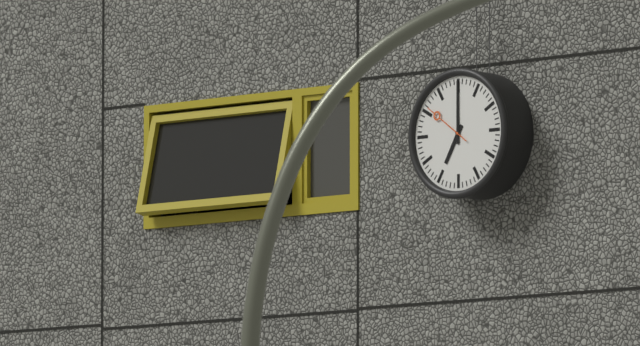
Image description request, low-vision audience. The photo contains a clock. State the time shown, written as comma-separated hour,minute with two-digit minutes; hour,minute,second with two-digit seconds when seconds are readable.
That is 7,00
